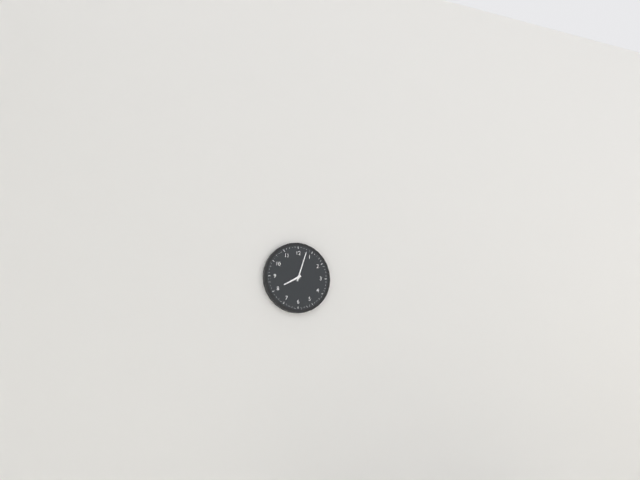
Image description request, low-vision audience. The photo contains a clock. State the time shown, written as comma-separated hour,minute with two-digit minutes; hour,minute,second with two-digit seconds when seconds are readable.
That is 8,03
